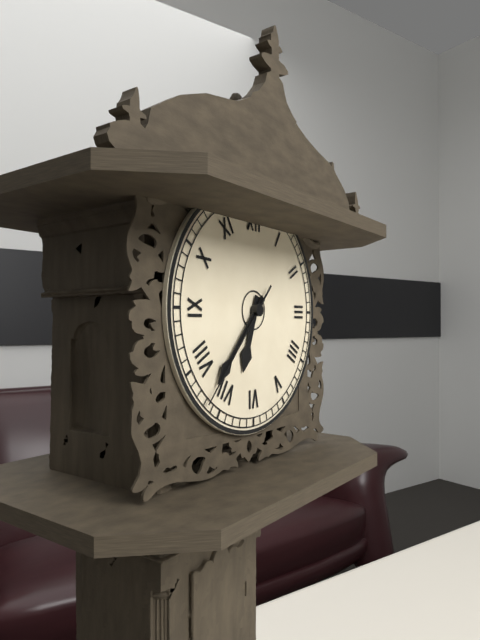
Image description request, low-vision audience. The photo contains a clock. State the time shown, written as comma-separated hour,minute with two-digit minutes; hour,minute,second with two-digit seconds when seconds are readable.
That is 6,37,37
